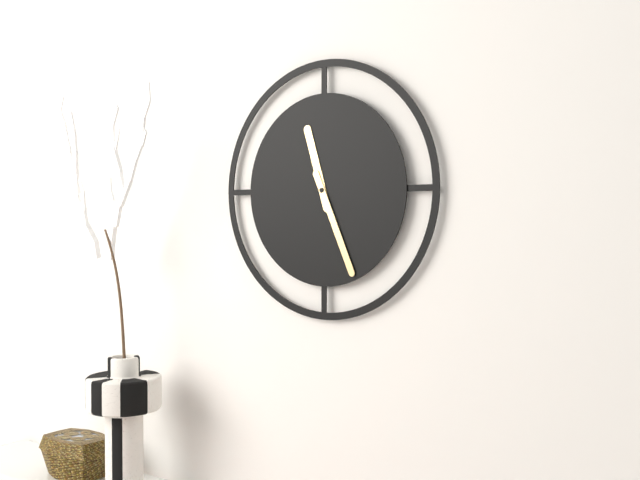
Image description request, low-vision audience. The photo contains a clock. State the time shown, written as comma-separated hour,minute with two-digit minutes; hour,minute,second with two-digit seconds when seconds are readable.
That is 11,26
